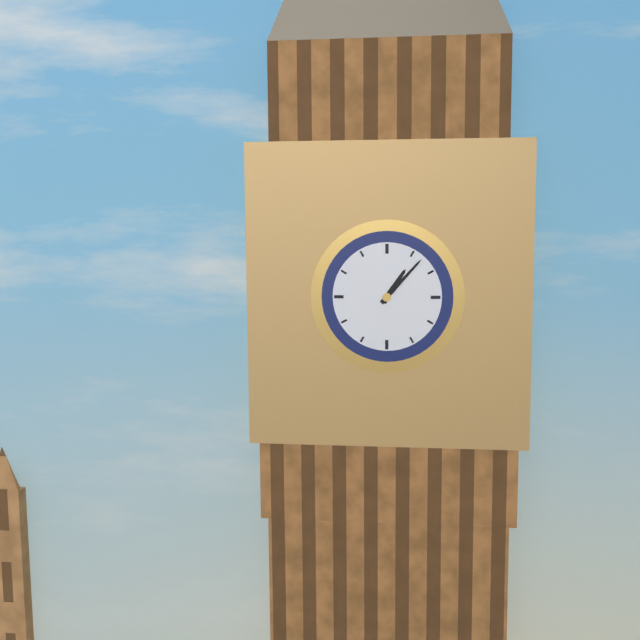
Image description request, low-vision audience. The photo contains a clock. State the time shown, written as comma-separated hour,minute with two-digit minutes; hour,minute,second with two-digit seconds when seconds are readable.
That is 1,07
